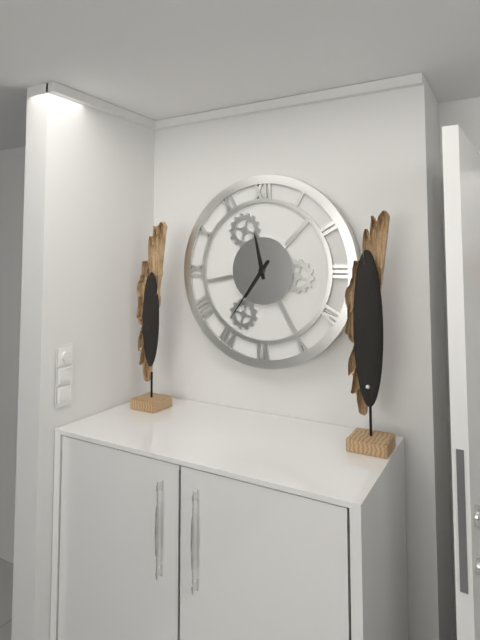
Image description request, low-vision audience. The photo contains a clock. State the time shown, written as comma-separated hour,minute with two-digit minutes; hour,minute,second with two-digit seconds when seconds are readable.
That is 11,36
